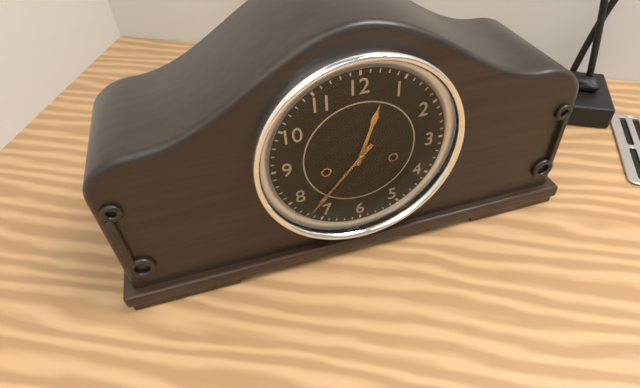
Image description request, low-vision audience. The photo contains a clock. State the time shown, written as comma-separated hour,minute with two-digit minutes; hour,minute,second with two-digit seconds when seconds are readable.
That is 12,37
